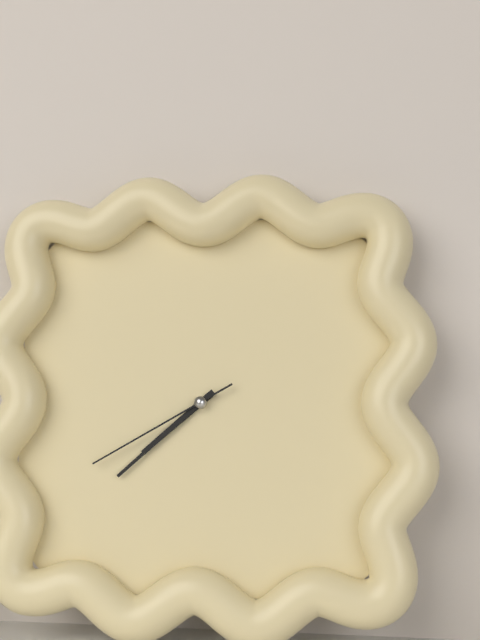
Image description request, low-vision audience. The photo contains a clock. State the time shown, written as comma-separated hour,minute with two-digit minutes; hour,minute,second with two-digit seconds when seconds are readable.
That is 7,38,40
